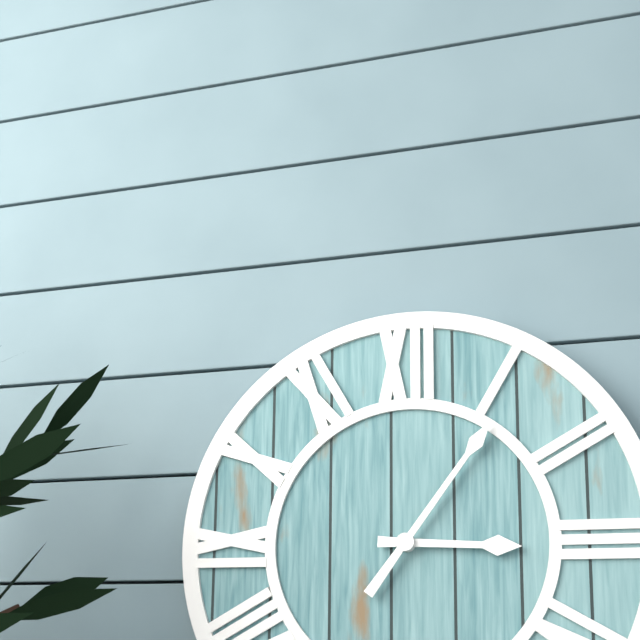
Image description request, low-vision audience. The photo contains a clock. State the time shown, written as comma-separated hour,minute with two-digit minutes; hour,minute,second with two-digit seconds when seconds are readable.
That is 3,06
